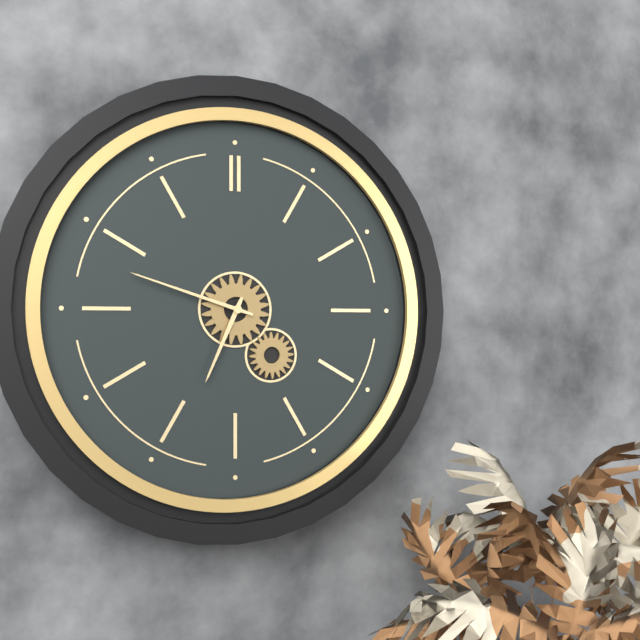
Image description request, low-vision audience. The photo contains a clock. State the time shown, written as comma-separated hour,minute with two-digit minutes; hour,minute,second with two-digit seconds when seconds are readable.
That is 6,48
